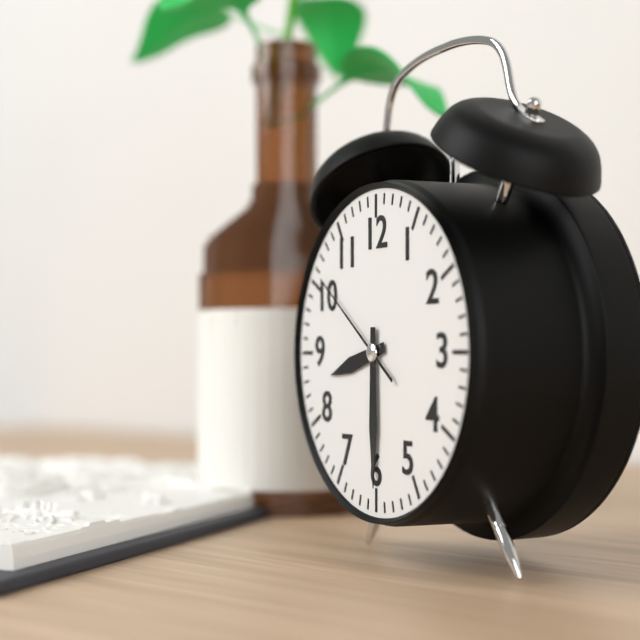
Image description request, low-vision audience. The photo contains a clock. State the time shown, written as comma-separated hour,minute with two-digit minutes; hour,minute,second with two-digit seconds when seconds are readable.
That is 8,30,51
